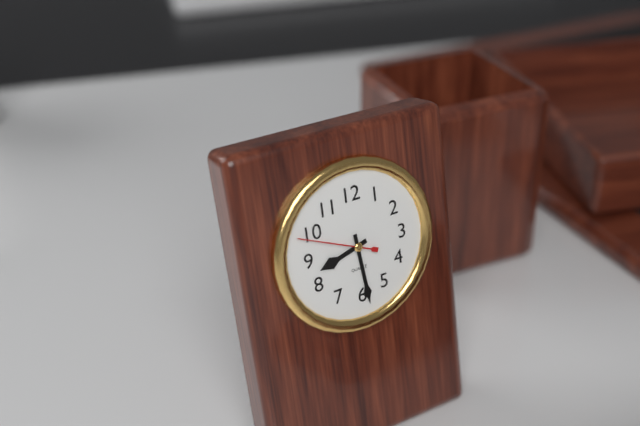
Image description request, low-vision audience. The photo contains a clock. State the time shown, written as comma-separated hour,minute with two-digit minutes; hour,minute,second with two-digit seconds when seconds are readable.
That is 8,29,49
